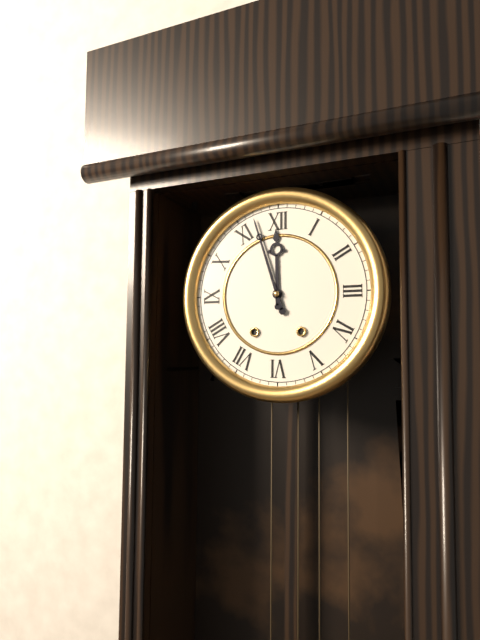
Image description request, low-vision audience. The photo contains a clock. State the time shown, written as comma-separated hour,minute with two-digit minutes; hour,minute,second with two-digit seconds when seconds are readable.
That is 11,57
